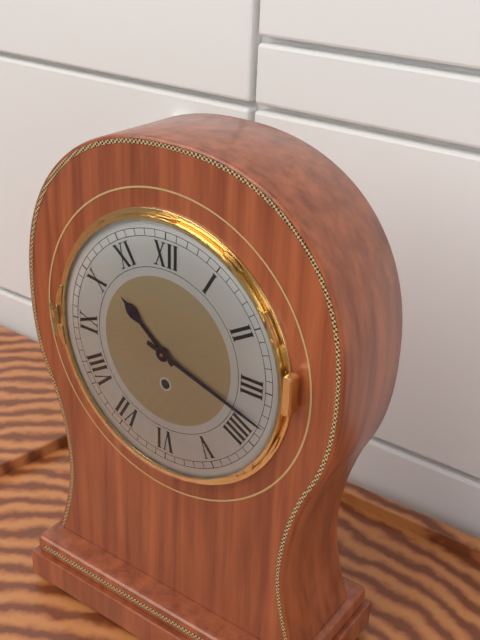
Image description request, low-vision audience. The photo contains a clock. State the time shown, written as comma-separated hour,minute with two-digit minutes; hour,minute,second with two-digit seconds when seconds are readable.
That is 10,18
